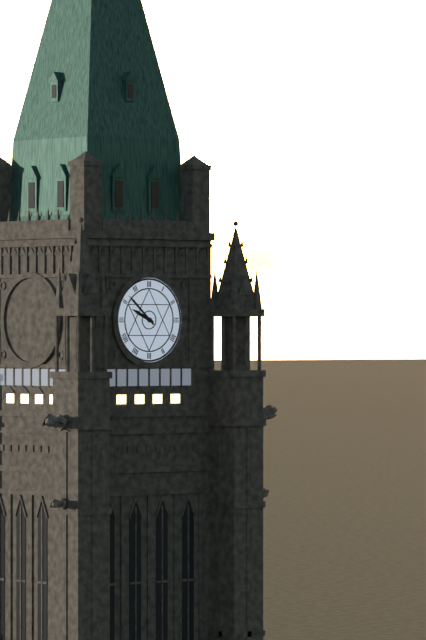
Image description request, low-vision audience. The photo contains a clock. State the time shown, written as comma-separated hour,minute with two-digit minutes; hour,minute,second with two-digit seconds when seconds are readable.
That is 9,52
